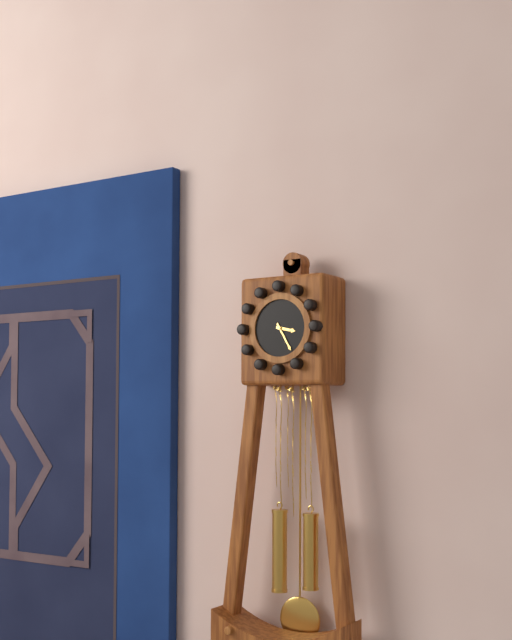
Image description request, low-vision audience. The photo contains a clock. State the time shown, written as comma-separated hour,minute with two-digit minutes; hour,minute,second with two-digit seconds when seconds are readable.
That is 3,25
